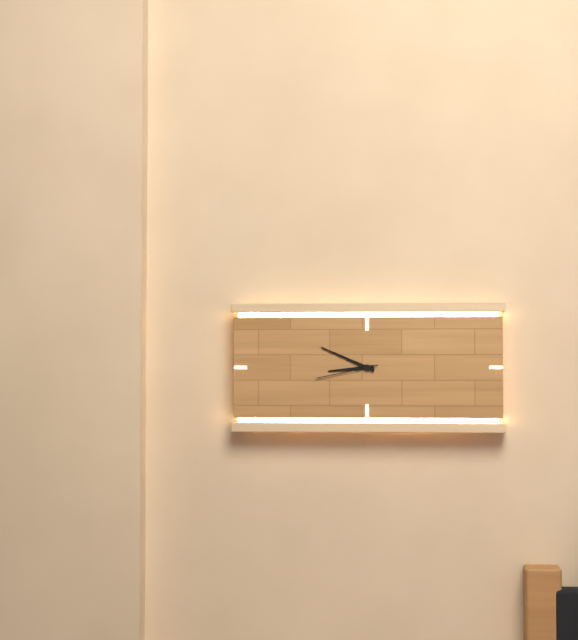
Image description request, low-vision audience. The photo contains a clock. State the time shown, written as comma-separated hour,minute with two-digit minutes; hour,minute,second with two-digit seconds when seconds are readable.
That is 8,49,43
